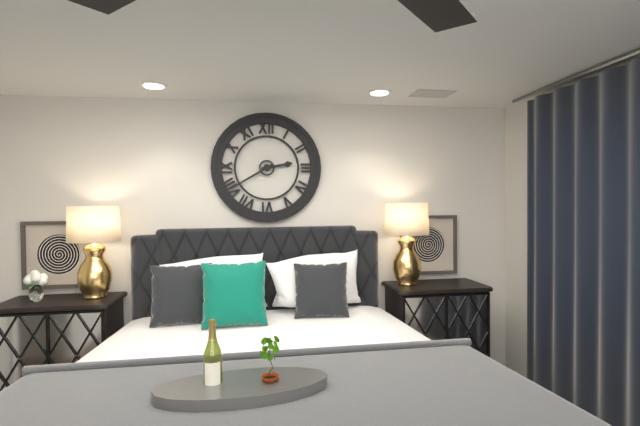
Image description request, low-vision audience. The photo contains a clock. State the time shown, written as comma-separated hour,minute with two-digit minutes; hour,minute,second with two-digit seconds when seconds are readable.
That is 2,40
